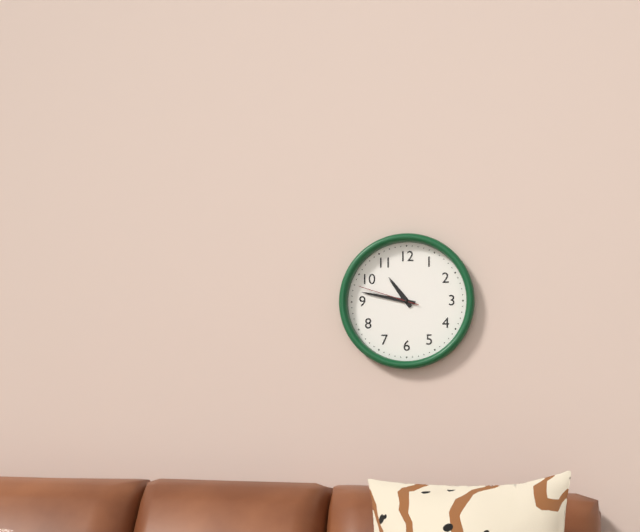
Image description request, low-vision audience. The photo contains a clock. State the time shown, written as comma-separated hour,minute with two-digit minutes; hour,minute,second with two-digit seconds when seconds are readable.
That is 10,47,48
